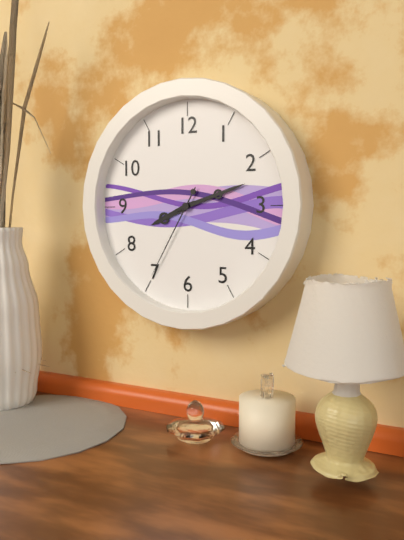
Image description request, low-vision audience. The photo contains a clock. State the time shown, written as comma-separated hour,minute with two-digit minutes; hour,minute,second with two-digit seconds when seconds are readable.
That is 8,12,35
